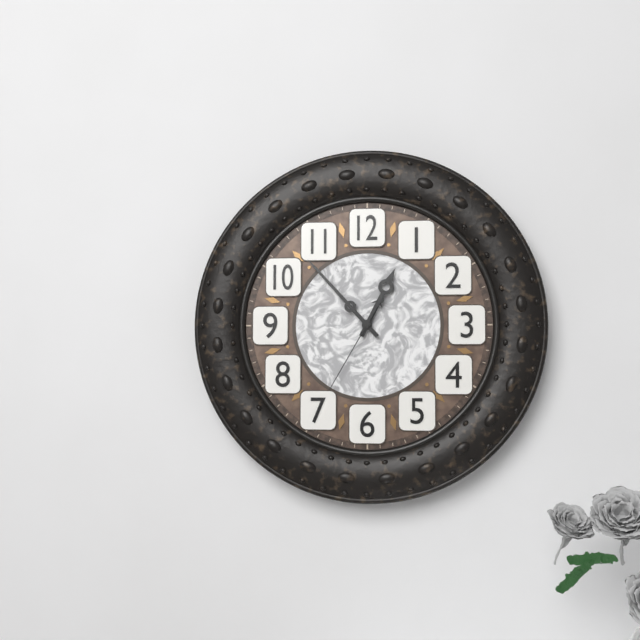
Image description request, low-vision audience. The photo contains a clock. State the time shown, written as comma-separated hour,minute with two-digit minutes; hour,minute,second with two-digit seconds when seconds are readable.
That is 12,53,35
